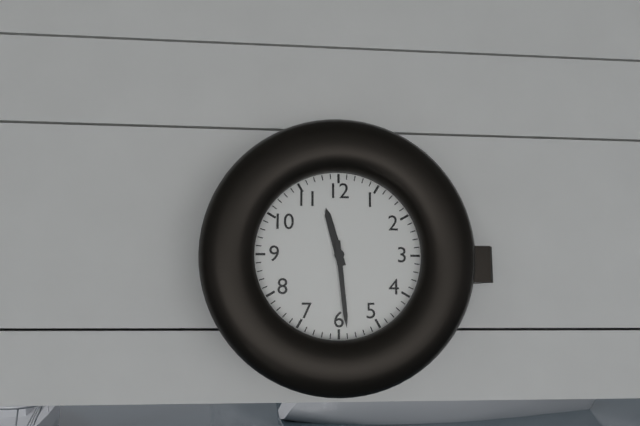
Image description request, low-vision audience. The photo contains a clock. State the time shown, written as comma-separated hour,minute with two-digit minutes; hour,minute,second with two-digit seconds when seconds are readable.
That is 11,29
